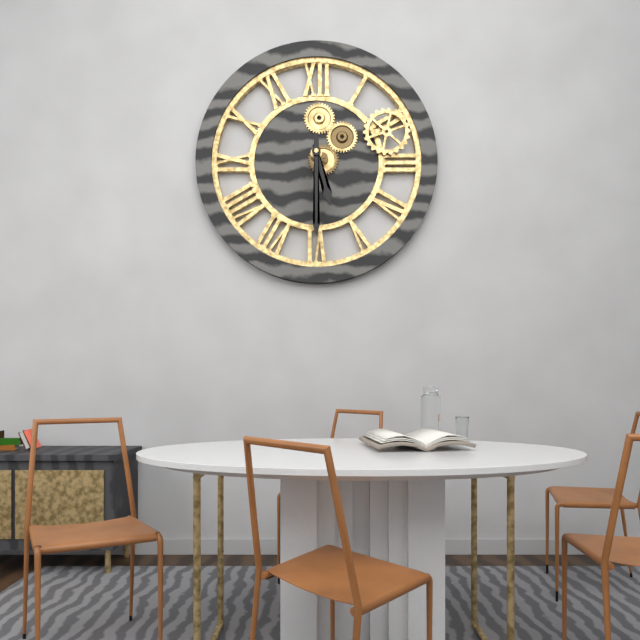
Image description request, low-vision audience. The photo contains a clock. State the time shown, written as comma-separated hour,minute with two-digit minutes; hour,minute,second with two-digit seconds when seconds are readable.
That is 5,30
